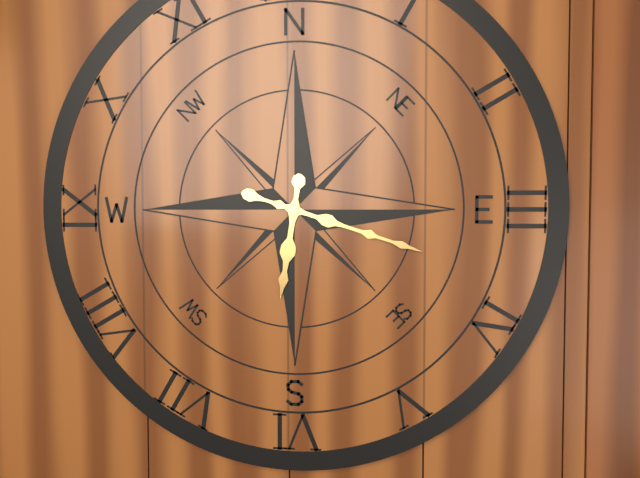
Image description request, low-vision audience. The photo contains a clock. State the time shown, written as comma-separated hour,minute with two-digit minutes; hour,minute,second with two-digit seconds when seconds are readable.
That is 6,18
